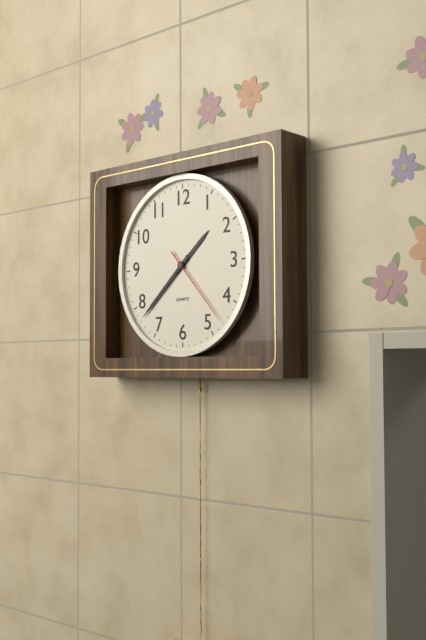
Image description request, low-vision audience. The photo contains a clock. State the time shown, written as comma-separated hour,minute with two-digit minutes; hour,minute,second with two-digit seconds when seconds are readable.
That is 1,38,23
